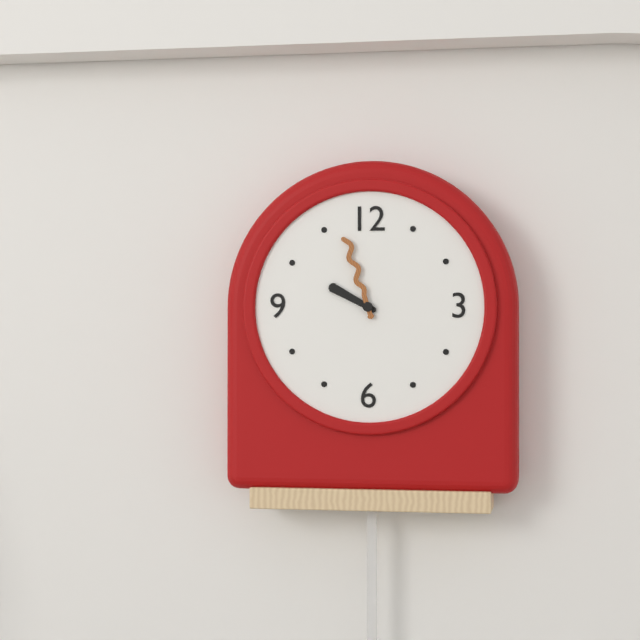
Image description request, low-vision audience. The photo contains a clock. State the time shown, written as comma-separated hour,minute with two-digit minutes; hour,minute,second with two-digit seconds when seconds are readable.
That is 9,57
